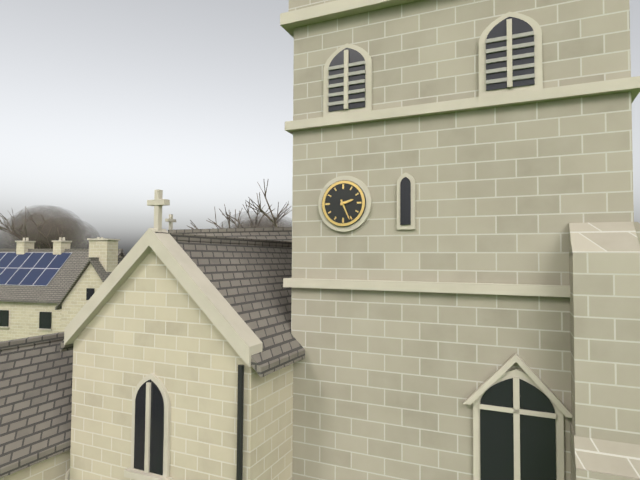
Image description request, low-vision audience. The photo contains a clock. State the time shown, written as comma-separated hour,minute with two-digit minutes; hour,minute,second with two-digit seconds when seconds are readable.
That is 2,26
